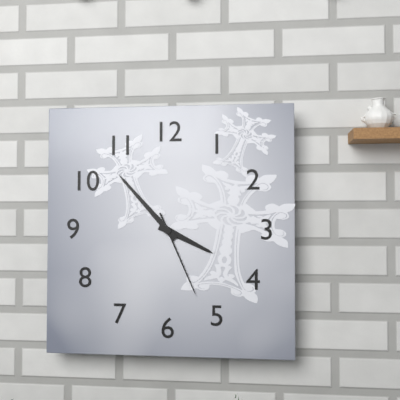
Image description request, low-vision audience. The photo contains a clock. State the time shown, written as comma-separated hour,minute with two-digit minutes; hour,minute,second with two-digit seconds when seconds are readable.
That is 3,53,26
